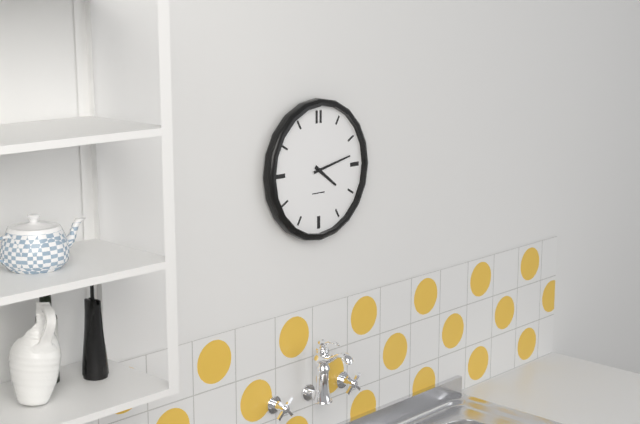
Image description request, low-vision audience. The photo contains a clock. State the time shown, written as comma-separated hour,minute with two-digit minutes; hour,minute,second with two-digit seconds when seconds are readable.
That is 4,13
